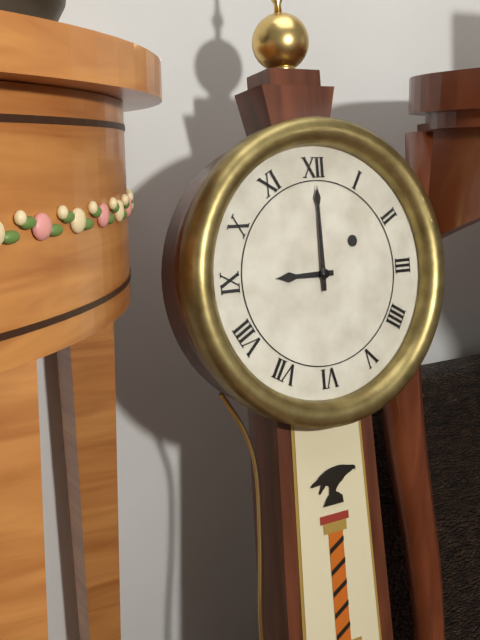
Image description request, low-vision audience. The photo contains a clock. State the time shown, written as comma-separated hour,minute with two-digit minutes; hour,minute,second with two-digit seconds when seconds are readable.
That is 9,00
